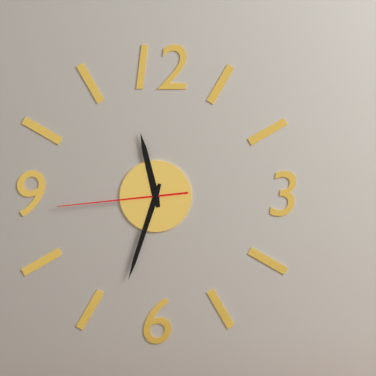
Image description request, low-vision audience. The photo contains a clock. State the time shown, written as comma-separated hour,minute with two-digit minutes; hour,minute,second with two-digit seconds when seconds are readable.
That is 11,33,44
